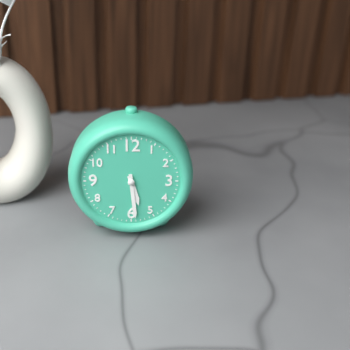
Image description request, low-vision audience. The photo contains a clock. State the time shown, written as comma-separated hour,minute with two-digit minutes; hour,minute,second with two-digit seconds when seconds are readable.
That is 5,29
